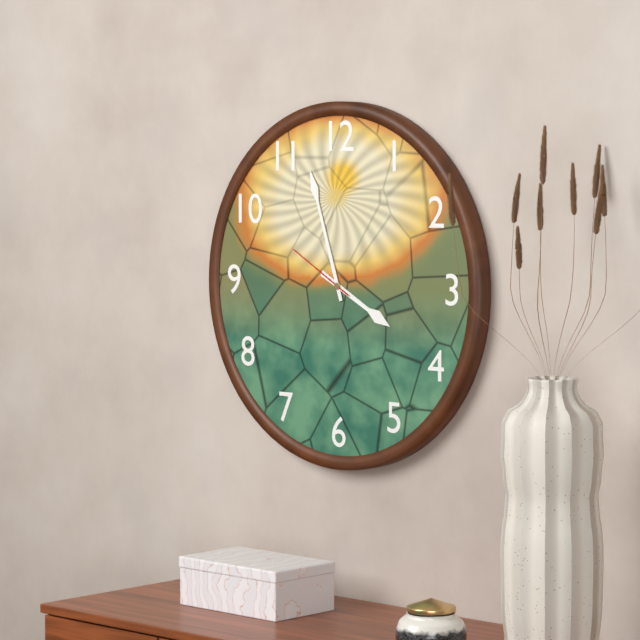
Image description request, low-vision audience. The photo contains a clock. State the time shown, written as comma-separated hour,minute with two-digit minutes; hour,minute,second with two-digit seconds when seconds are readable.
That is 3,57,50
